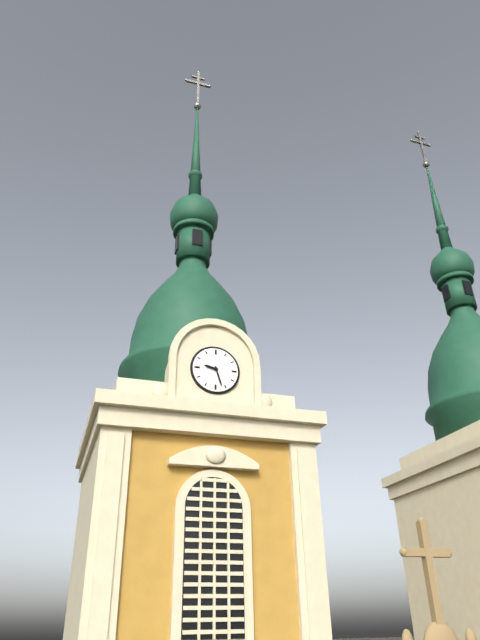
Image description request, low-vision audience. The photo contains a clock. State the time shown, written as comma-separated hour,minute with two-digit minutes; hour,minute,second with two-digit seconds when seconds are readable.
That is 9,27
